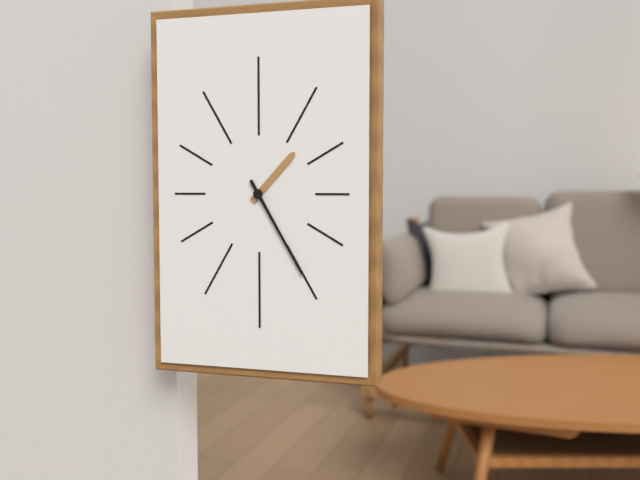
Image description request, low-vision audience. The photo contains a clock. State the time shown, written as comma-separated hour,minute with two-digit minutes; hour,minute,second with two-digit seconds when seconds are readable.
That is 1,25
